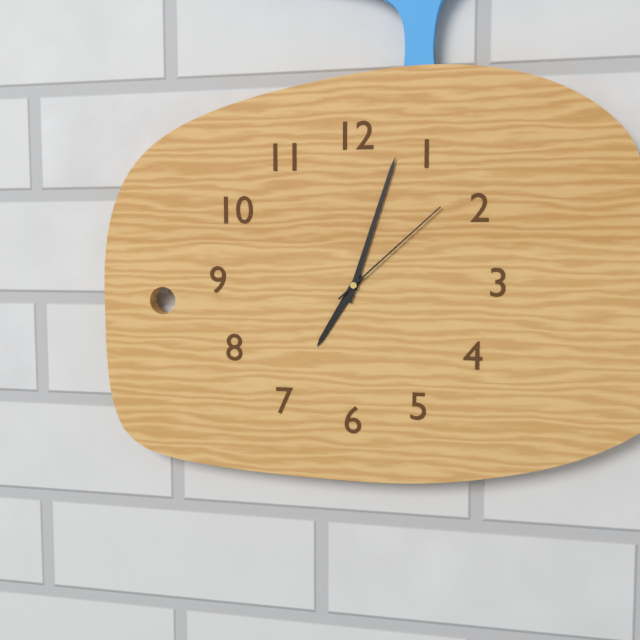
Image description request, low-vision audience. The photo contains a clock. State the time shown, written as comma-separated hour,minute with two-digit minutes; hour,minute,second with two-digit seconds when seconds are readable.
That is 7,03,08
